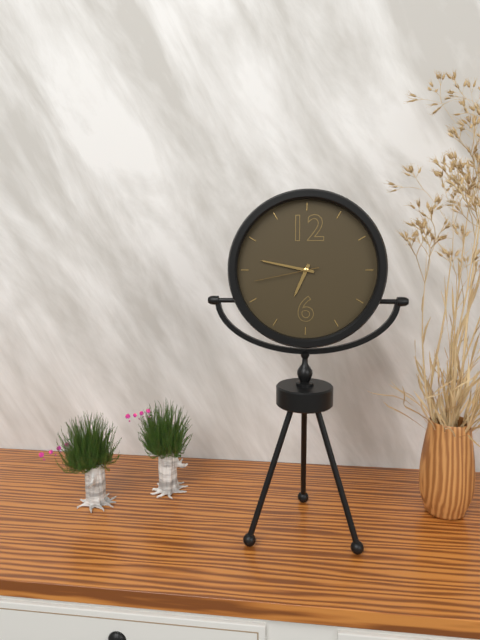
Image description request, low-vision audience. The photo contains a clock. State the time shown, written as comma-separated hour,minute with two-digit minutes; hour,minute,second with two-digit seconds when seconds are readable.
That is 6,47,43
